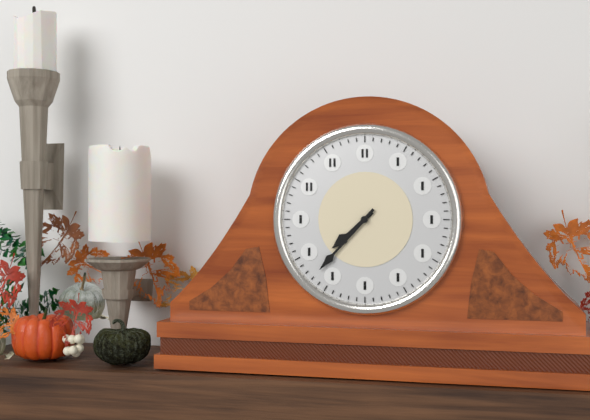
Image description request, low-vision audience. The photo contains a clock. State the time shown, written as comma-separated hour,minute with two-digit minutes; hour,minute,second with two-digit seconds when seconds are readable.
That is 7,37
